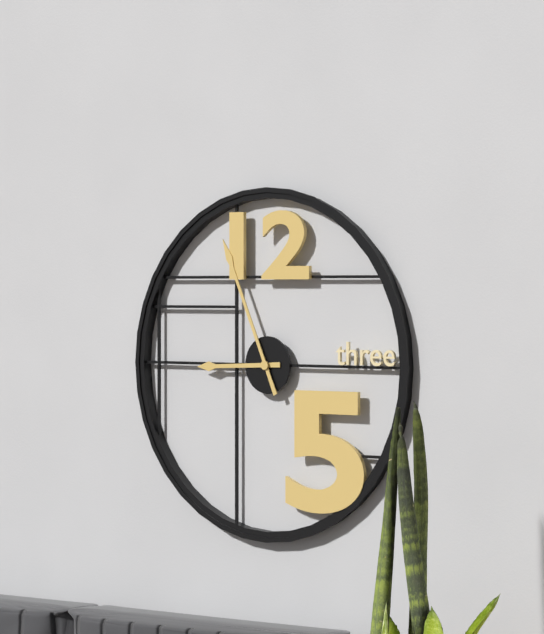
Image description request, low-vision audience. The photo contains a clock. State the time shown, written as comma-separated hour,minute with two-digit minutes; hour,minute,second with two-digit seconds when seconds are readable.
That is 8,56
